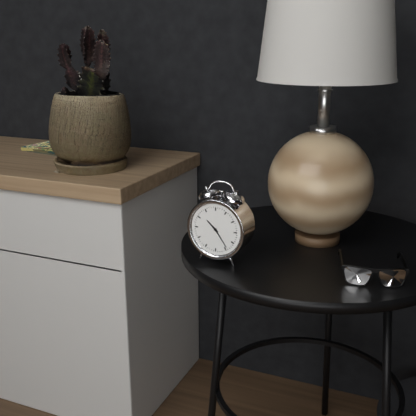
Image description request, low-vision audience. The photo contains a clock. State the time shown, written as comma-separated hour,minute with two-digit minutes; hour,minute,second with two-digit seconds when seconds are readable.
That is 10,24
